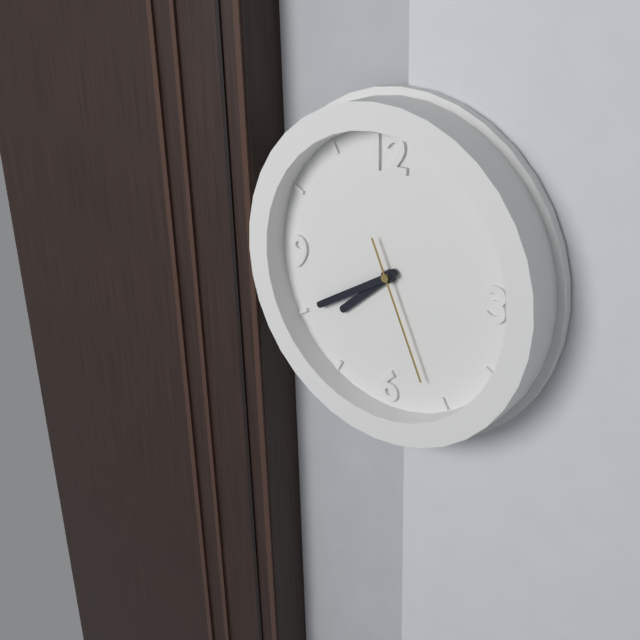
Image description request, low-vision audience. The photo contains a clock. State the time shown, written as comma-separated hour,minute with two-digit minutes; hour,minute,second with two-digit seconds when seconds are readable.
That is 7,40,26
